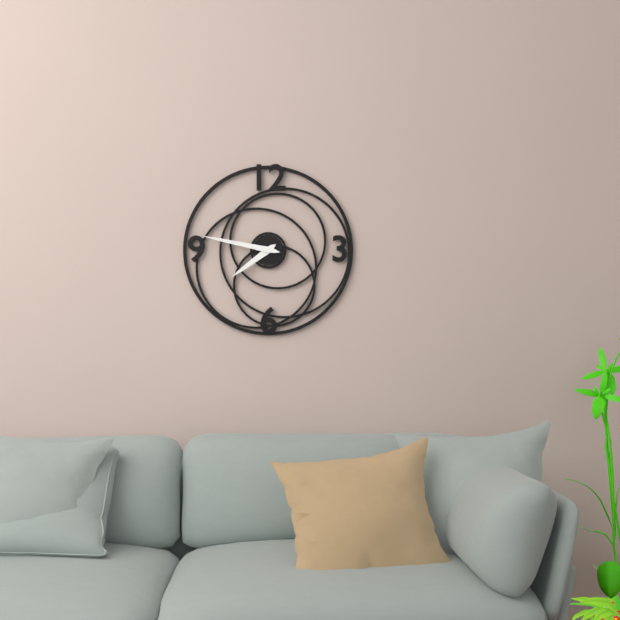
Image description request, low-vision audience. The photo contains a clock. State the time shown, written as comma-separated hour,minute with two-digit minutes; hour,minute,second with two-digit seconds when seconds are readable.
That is 7,47
